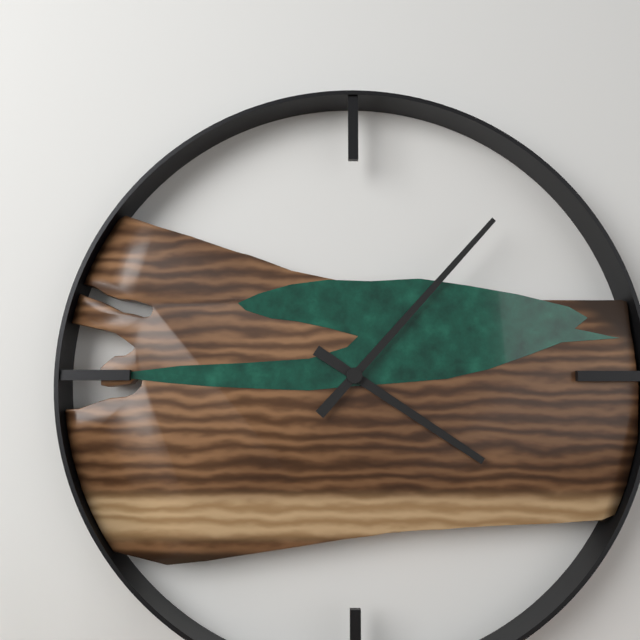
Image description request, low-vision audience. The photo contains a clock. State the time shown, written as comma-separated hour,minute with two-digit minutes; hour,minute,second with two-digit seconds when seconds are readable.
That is 4,07
